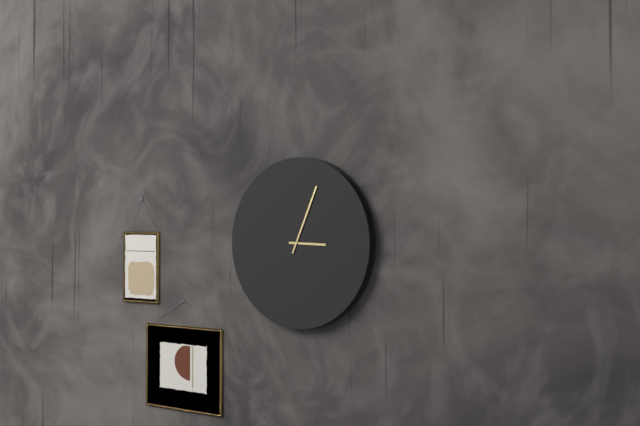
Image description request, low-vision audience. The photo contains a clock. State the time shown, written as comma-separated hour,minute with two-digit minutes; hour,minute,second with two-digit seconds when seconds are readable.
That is 3,04
